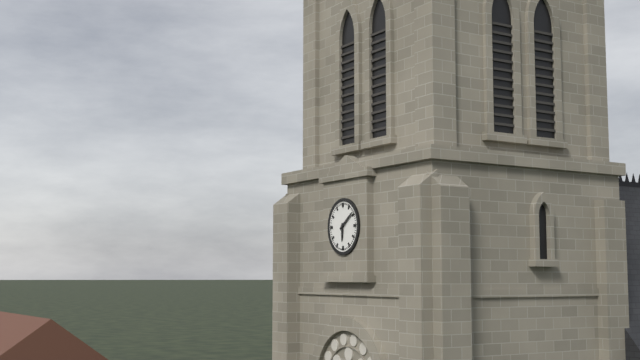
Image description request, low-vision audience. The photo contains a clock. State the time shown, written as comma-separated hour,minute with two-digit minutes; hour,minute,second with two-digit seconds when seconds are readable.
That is 6,09
